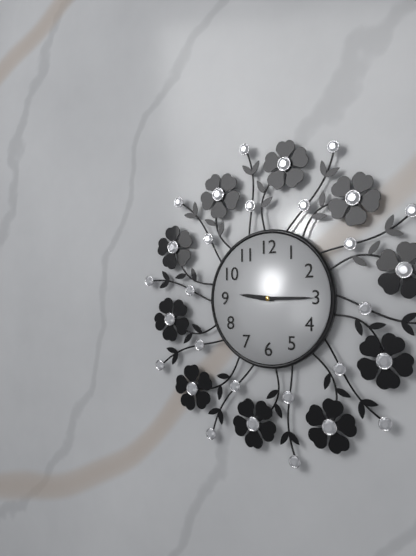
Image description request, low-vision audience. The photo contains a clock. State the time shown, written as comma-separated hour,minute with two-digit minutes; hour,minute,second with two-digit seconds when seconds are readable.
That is 9,15
